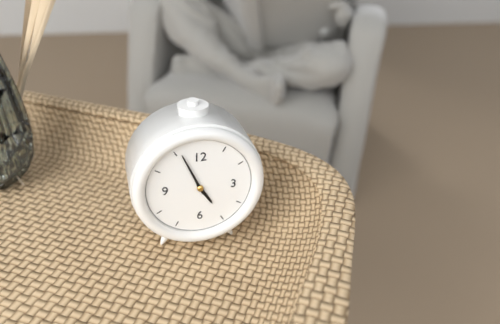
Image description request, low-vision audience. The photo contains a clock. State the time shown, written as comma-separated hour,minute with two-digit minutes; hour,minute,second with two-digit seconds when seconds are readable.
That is 4,56
